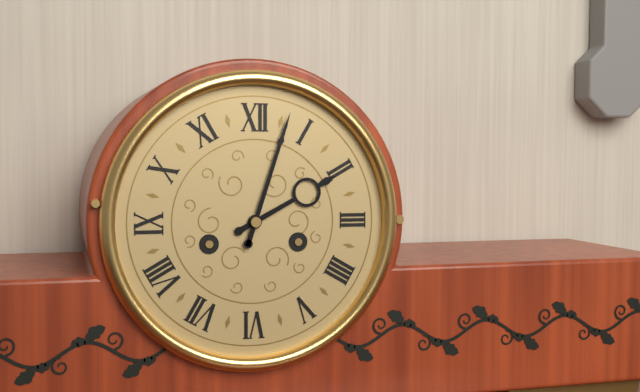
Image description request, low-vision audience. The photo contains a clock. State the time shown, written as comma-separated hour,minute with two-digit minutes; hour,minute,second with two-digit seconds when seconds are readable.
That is 2,03
